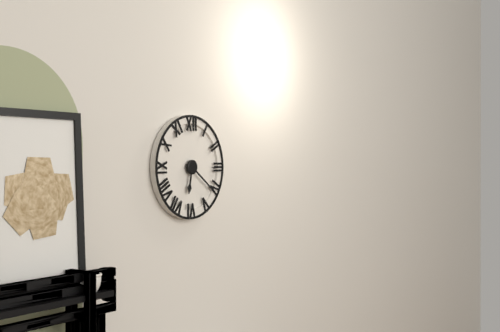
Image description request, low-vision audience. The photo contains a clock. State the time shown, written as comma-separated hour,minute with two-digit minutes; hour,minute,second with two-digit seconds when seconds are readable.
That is 6,21
